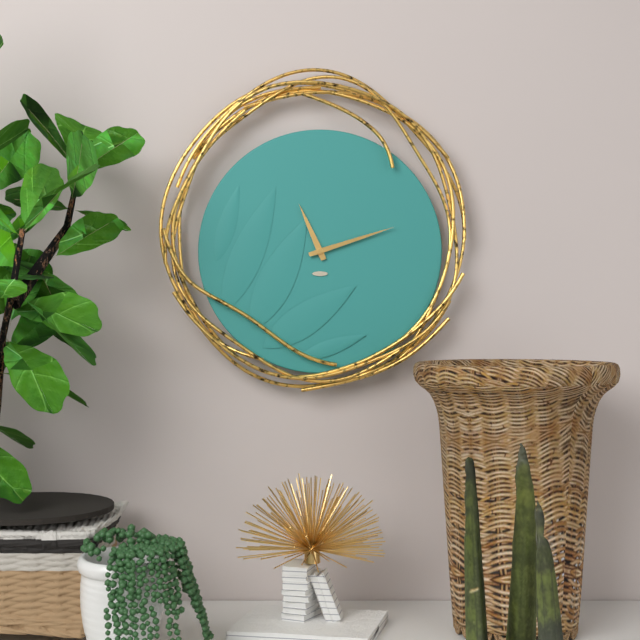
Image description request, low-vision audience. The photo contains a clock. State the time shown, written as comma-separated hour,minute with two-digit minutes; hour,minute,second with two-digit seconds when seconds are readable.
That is 11,12
